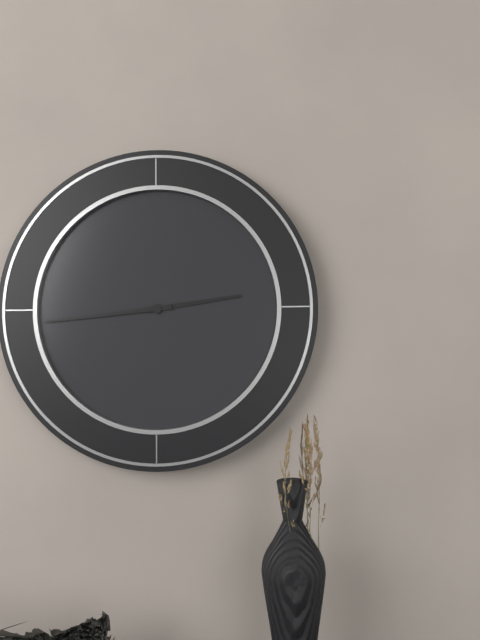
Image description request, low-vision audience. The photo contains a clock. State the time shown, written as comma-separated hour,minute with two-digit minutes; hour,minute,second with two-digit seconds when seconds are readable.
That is 2,44
